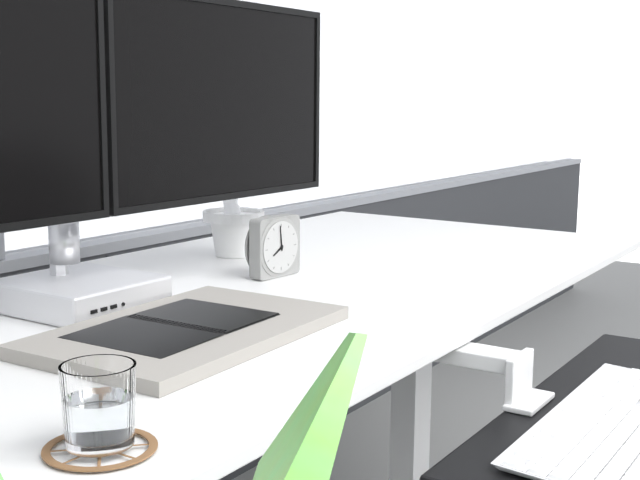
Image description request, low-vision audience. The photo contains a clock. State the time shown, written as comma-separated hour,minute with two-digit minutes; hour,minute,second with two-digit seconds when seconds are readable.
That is 7,59
